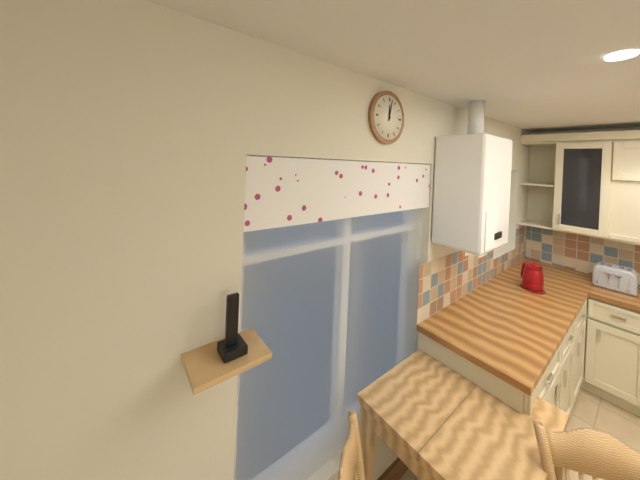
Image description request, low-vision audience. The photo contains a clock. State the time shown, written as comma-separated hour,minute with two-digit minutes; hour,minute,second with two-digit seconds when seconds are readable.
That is 12,02
